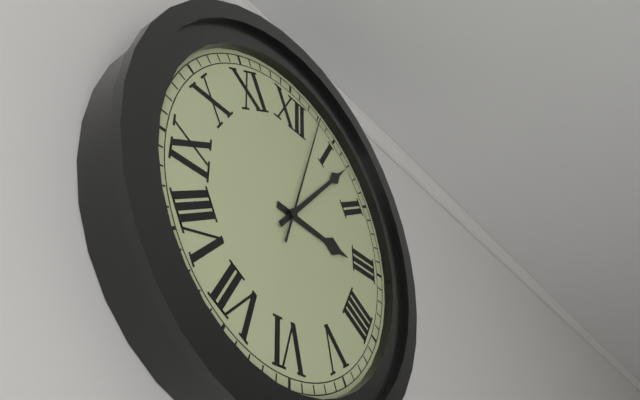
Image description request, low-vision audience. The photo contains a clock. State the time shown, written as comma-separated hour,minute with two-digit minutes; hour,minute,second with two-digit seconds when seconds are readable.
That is 3,07,03
